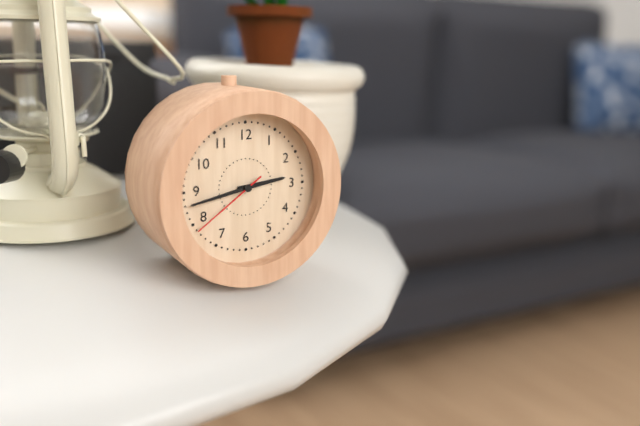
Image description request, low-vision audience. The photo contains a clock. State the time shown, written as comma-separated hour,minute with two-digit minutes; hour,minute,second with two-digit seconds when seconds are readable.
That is 2,43,39
